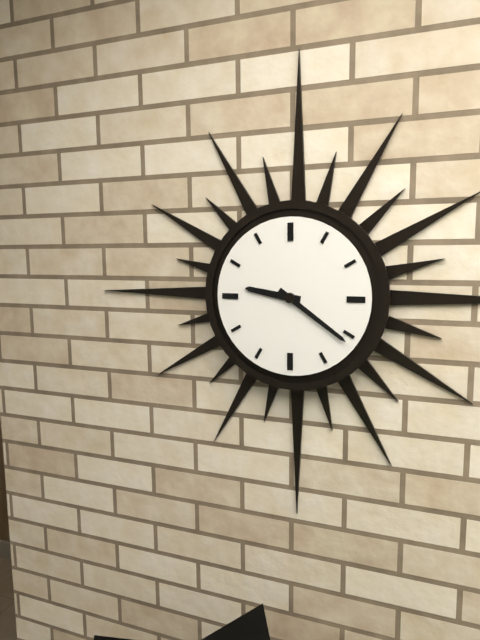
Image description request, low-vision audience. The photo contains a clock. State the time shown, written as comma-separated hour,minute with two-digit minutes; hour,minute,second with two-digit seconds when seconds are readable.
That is 9,21
